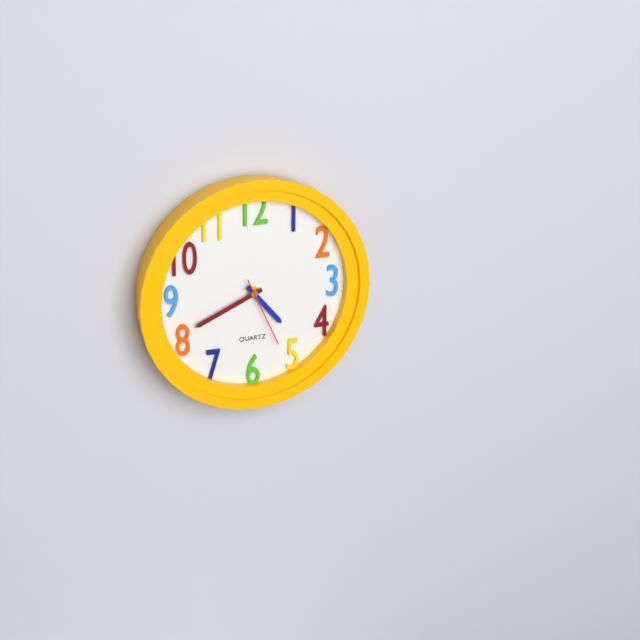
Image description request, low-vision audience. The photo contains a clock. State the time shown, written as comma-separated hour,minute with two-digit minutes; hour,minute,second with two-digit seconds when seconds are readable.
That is 4,41,26
